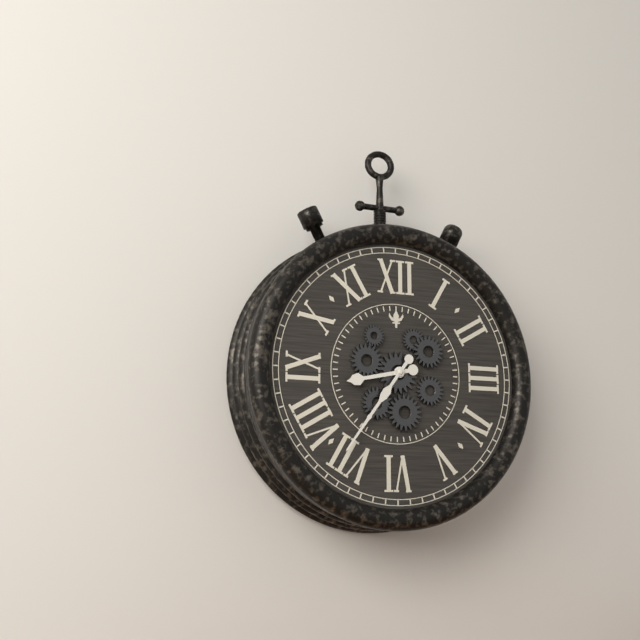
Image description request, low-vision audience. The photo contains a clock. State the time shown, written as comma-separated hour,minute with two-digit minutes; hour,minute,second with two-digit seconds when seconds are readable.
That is 8,36
